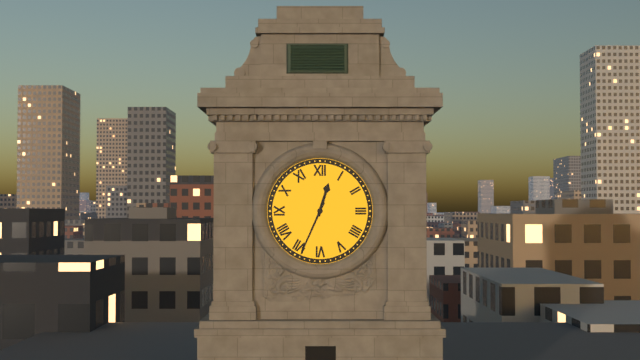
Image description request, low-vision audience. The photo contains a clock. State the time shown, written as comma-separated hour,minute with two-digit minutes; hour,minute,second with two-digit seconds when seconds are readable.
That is 12,34
